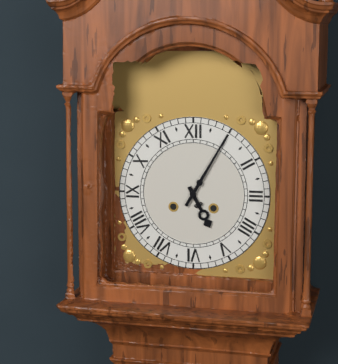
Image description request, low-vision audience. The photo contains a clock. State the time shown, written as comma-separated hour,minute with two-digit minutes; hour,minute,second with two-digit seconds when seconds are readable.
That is 5,05
